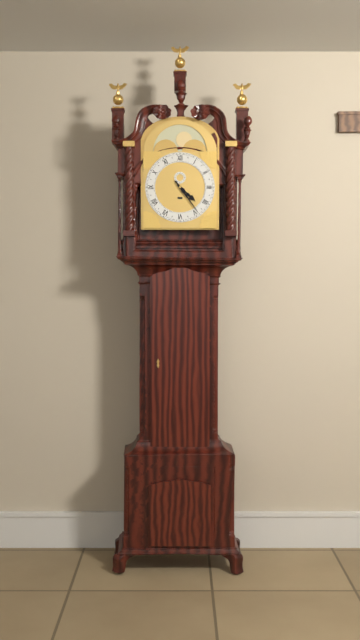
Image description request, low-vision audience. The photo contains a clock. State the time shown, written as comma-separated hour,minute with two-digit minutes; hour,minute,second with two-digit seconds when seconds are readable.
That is 4,24
